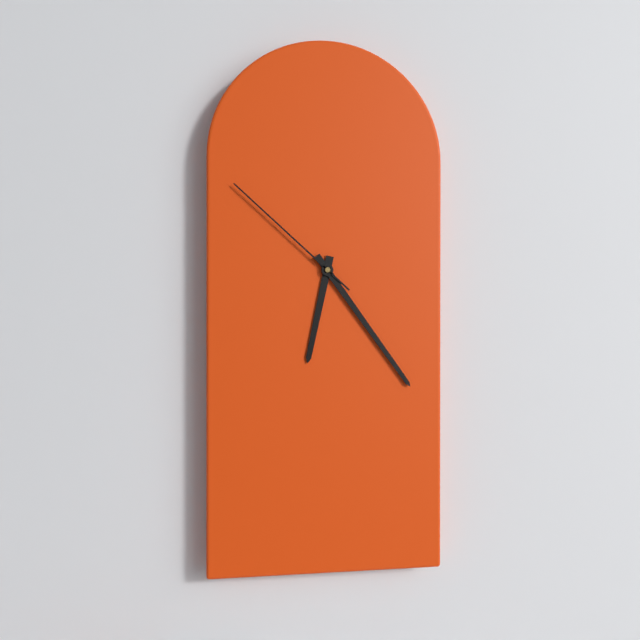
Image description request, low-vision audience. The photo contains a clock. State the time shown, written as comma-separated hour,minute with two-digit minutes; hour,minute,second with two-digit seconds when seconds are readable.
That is 6,24,52
